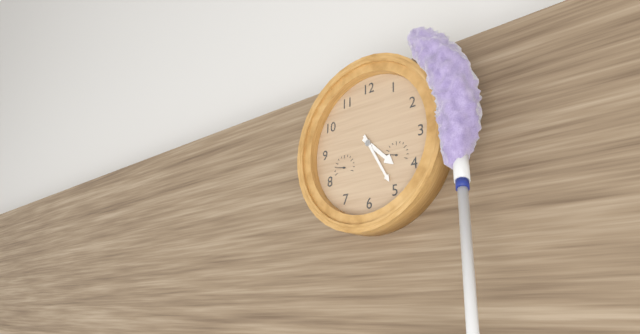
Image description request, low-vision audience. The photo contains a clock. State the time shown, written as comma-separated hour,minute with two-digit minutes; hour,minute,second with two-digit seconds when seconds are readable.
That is 4,25
